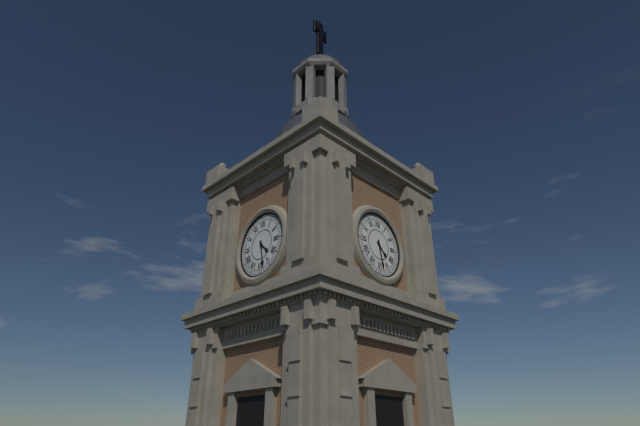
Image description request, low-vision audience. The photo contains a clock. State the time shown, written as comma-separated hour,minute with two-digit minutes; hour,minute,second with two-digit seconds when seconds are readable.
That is 4,28
